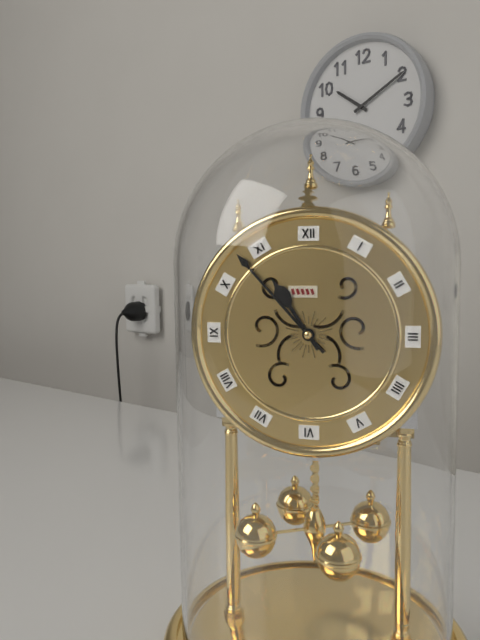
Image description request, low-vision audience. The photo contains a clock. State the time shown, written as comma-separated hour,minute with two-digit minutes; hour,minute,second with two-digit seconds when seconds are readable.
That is 10,53
